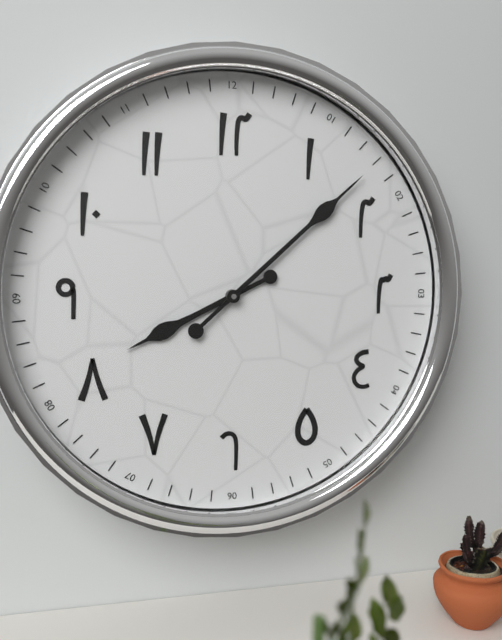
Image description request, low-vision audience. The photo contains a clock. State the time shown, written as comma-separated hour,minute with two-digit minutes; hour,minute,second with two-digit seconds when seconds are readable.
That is 8,08
